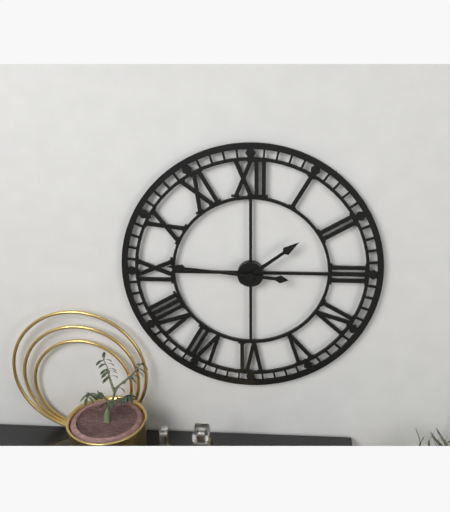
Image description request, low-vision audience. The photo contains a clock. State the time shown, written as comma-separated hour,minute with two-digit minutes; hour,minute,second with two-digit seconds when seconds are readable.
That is 1,46
